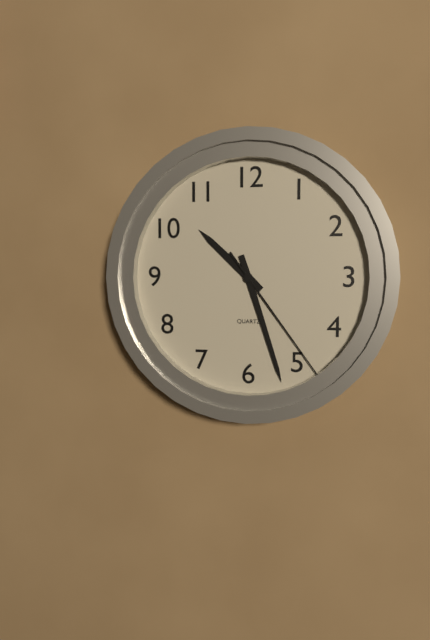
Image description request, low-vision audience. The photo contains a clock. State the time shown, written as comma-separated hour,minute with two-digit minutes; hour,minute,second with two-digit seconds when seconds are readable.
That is 10,27,24
